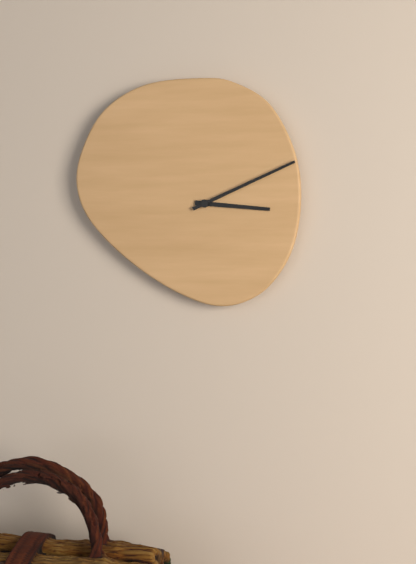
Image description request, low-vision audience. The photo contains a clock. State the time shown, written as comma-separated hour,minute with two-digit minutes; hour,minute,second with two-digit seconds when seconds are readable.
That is 3,11
